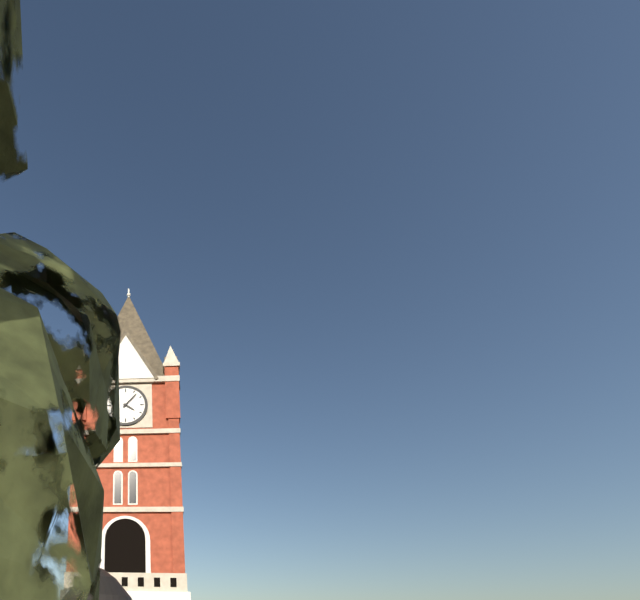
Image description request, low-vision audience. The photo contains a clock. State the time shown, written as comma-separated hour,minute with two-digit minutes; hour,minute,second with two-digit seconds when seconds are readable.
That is 4,07
